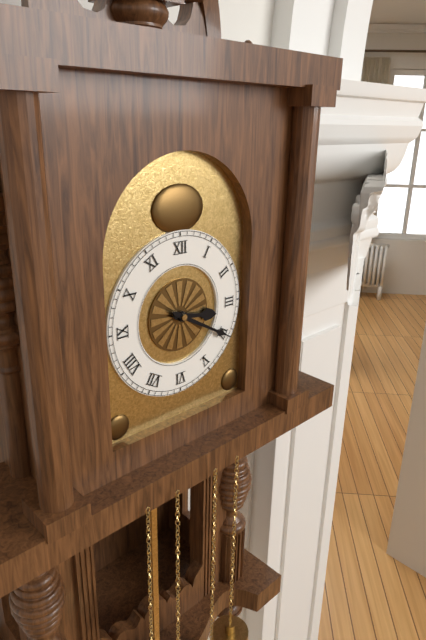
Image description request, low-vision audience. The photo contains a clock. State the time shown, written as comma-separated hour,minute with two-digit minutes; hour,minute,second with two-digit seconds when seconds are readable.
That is 3,20
